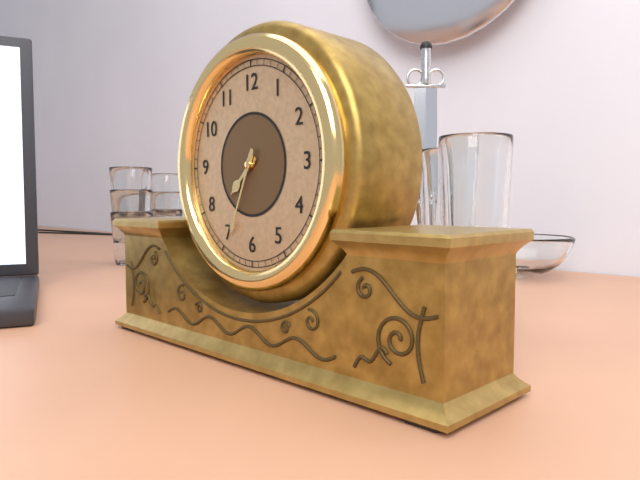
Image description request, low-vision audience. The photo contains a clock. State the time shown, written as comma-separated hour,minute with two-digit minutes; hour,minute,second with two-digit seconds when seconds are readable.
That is 7,34
